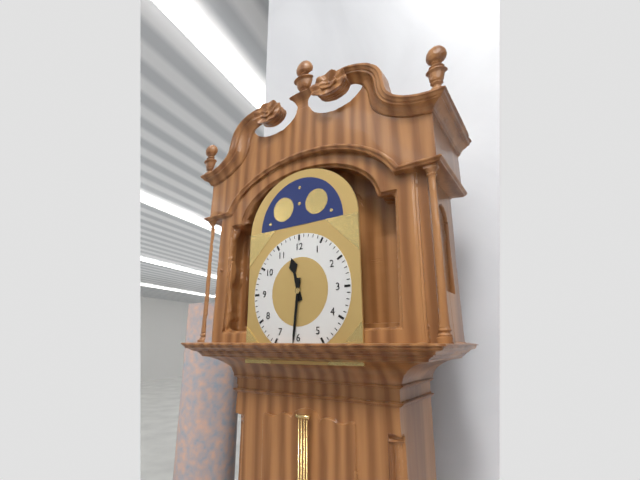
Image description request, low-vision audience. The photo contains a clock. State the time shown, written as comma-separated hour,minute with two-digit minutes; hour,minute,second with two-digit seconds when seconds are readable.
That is 11,31
